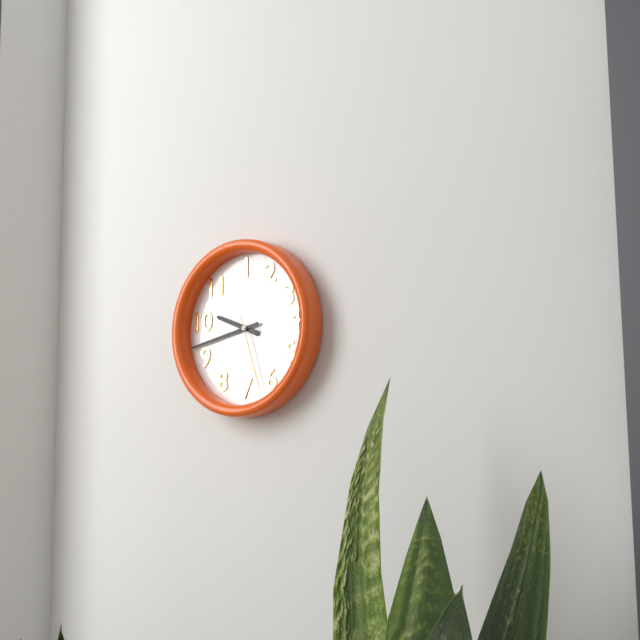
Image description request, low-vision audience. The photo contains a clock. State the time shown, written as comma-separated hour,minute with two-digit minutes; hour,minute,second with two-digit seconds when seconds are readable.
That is 9,43,27
